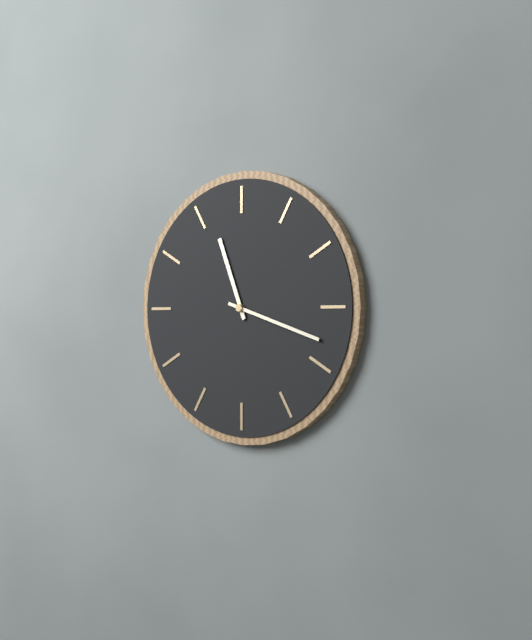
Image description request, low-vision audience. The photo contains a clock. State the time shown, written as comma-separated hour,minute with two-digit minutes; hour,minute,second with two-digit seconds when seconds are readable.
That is 11,18
